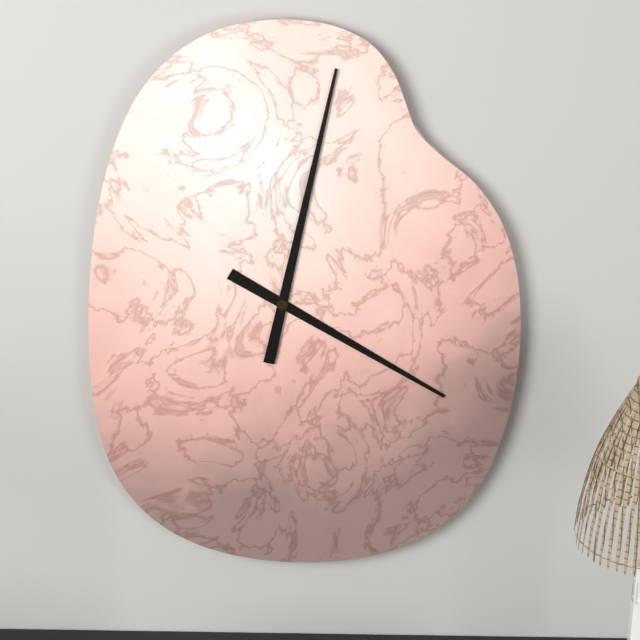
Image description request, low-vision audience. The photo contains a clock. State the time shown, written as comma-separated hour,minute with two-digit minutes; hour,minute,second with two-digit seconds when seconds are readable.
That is 4,02
